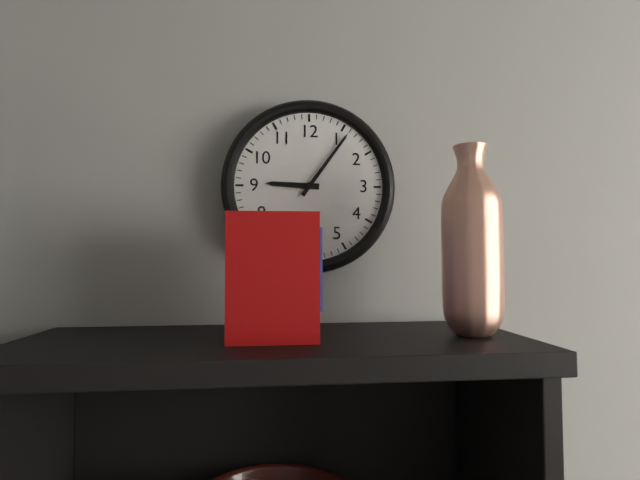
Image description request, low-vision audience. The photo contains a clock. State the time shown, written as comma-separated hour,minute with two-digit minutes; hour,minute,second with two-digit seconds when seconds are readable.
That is 9,06
